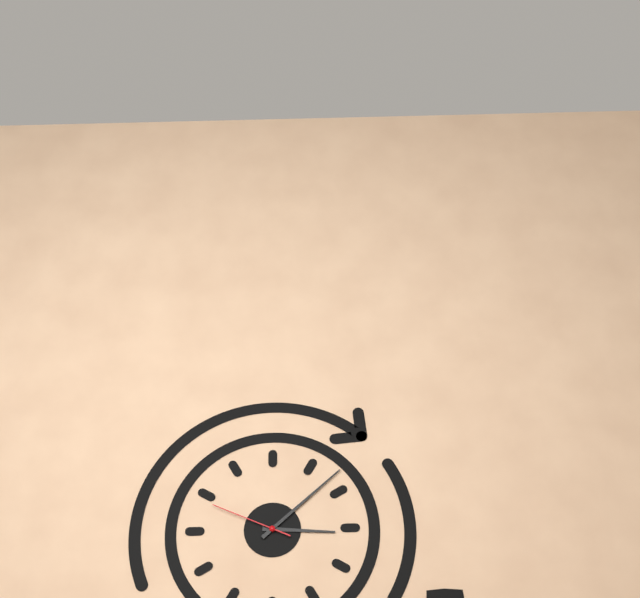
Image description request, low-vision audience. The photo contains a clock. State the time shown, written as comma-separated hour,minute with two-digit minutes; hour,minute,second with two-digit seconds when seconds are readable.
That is 3,08,49
